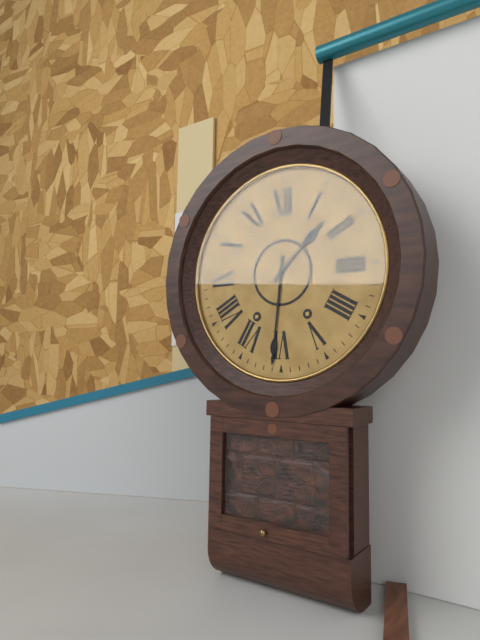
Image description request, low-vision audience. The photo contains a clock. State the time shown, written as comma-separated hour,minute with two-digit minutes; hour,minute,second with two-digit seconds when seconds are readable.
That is 1,31
